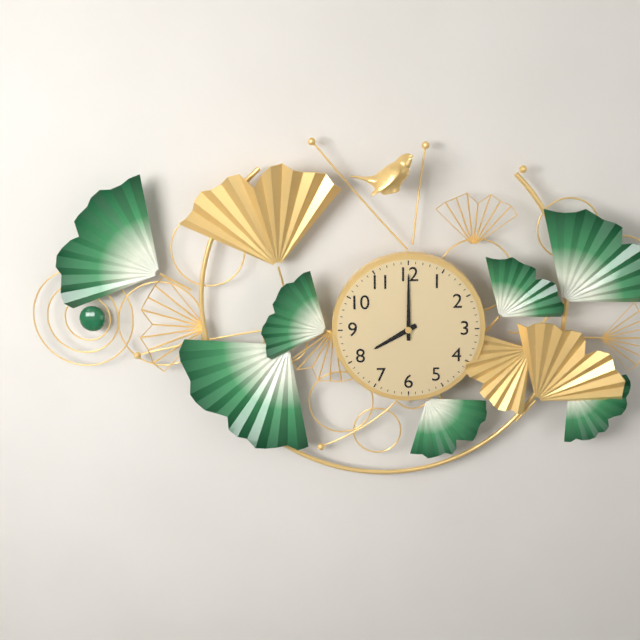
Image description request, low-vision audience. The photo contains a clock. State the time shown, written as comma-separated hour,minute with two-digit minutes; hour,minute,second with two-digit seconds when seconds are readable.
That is 8,00
